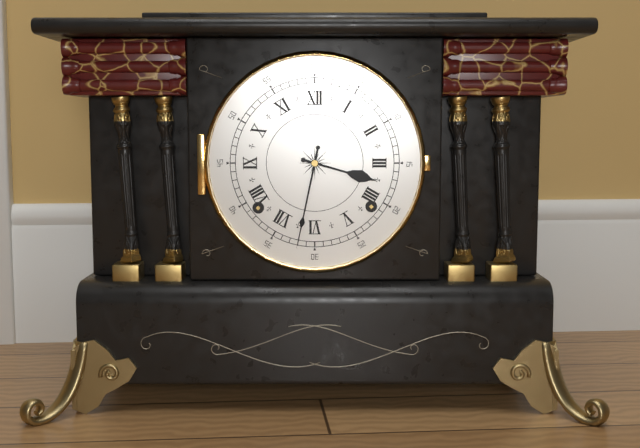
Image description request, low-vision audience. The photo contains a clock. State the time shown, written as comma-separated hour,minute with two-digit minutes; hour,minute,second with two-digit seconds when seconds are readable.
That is 3,32
